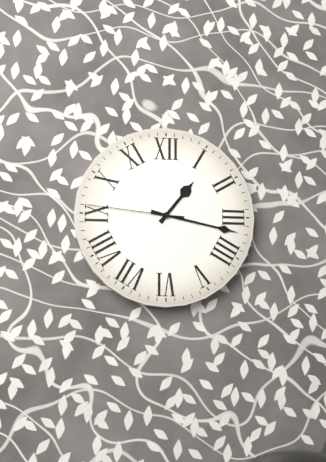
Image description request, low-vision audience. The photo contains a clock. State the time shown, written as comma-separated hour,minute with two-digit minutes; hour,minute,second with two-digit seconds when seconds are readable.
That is 1,17,46
